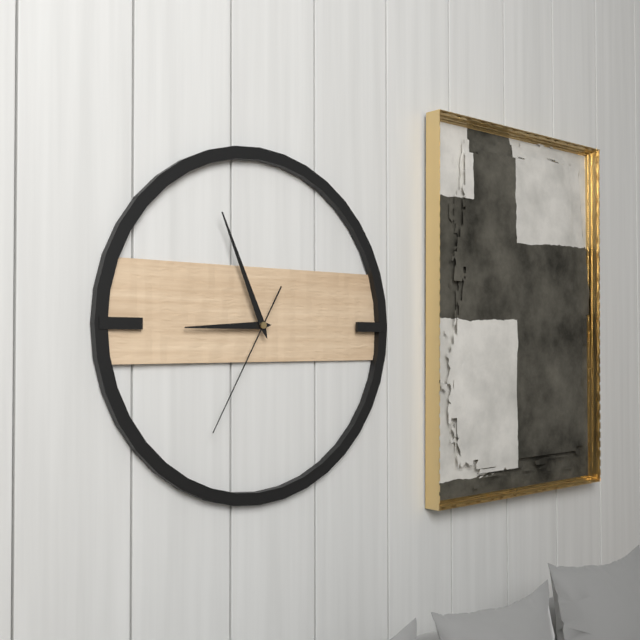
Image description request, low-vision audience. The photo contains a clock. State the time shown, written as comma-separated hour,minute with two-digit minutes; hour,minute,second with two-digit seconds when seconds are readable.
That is 8,56,35
